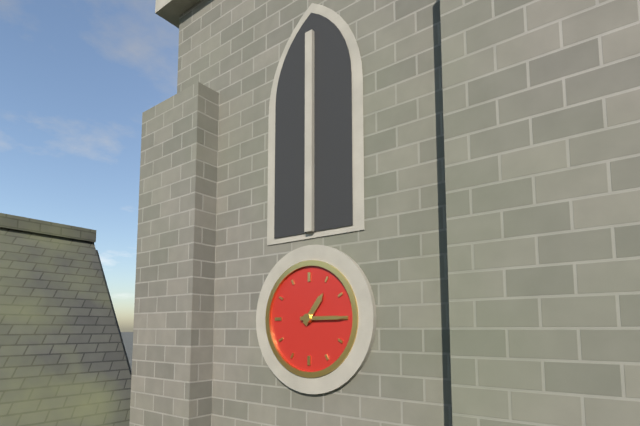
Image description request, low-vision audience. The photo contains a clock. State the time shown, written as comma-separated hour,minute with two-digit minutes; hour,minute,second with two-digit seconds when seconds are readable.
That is 1,15
